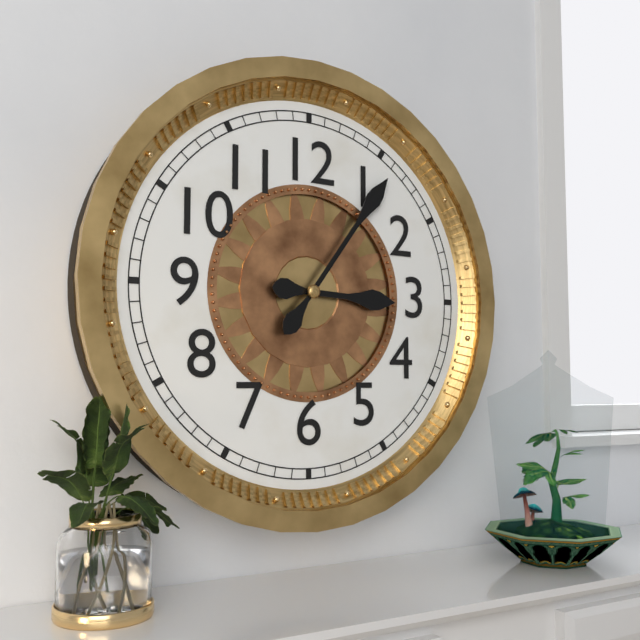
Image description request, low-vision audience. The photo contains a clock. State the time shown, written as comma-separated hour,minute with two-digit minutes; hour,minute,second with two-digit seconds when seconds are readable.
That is 3,06
